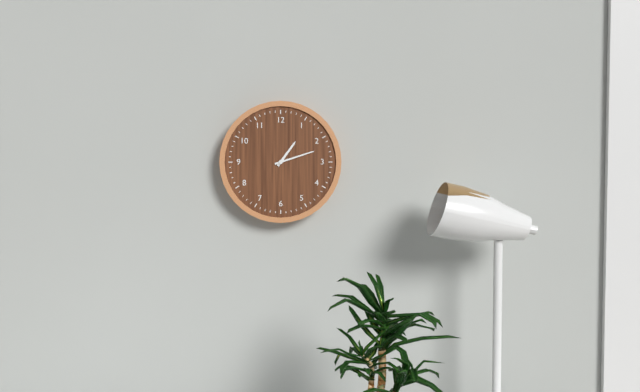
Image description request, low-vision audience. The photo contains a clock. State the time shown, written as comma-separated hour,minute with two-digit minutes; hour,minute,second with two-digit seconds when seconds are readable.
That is 1,12
